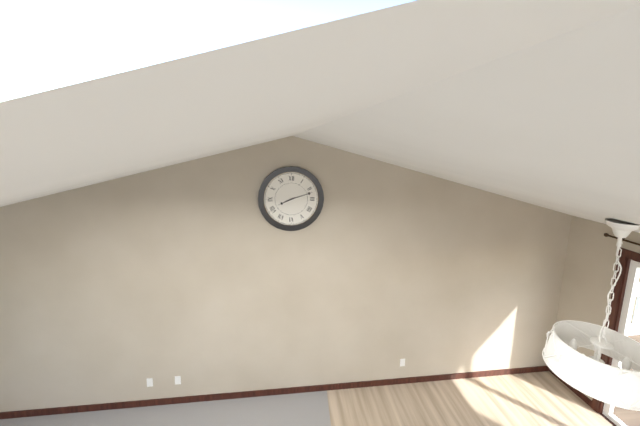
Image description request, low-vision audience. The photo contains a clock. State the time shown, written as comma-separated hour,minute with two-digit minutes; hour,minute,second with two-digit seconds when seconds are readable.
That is 8,12
